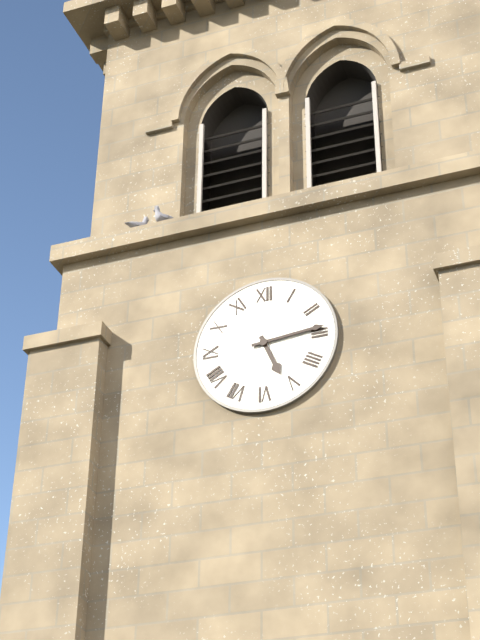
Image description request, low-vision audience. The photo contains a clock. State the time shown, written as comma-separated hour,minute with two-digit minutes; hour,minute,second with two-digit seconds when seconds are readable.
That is 5,14
